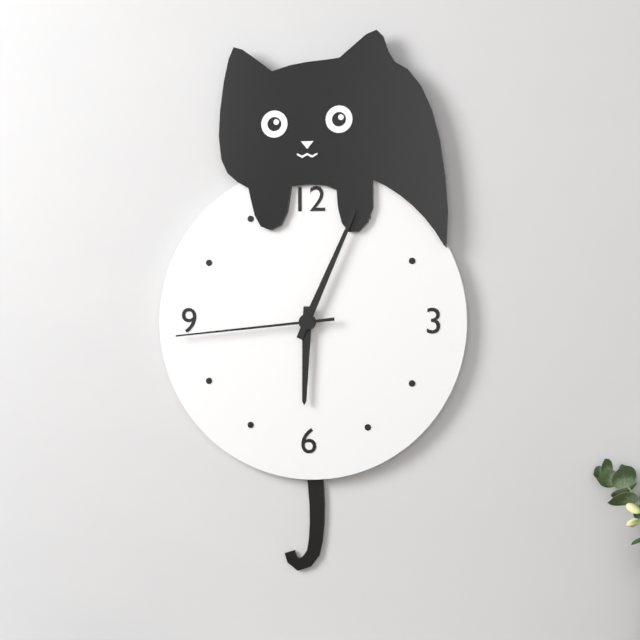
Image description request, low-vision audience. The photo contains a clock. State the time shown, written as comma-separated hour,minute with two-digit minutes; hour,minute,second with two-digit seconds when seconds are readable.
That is 6,04,44
